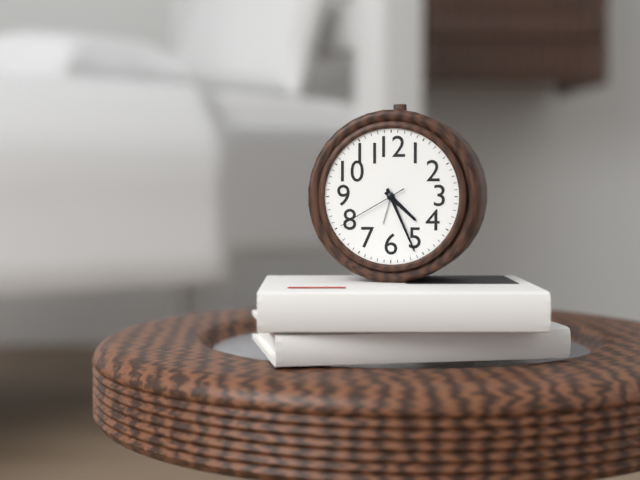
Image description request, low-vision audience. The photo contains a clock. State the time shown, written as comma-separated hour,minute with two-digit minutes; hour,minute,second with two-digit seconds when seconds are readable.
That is 4,26,40
